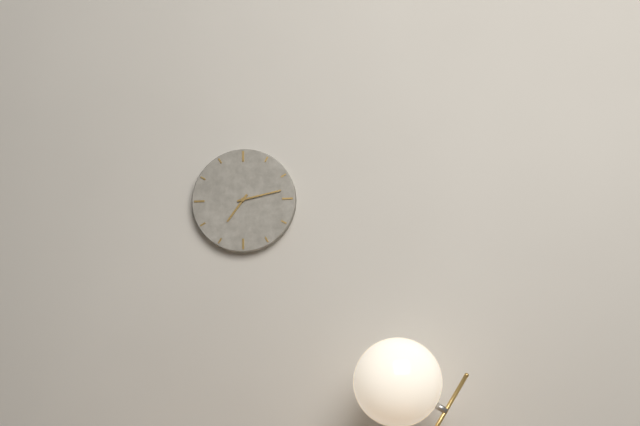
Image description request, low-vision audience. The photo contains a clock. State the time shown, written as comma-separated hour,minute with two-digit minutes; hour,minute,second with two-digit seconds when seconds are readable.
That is 7,13
